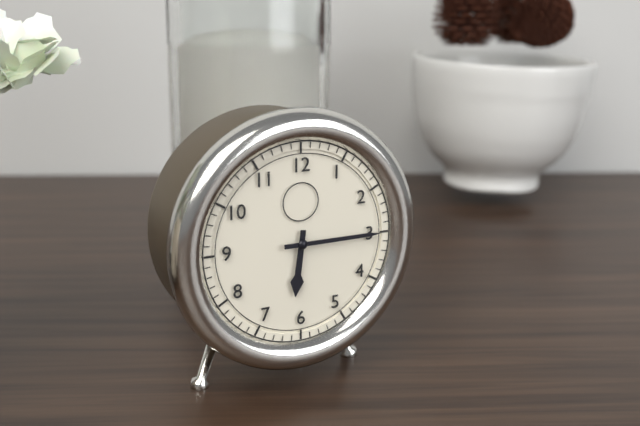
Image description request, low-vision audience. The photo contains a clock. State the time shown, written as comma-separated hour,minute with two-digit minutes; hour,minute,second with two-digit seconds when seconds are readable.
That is 6,15
